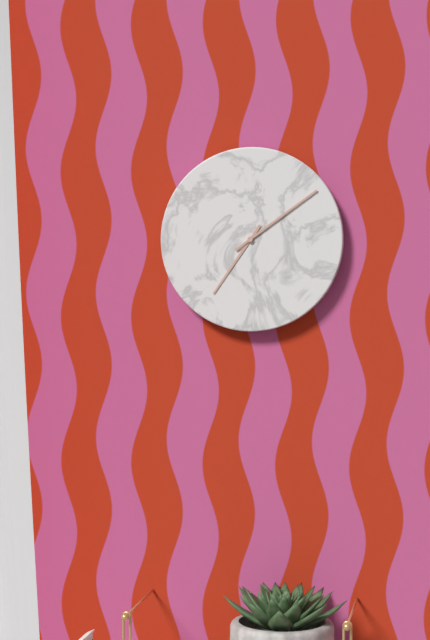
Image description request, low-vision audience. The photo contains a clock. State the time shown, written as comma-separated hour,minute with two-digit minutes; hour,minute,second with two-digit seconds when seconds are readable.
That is 7,09
